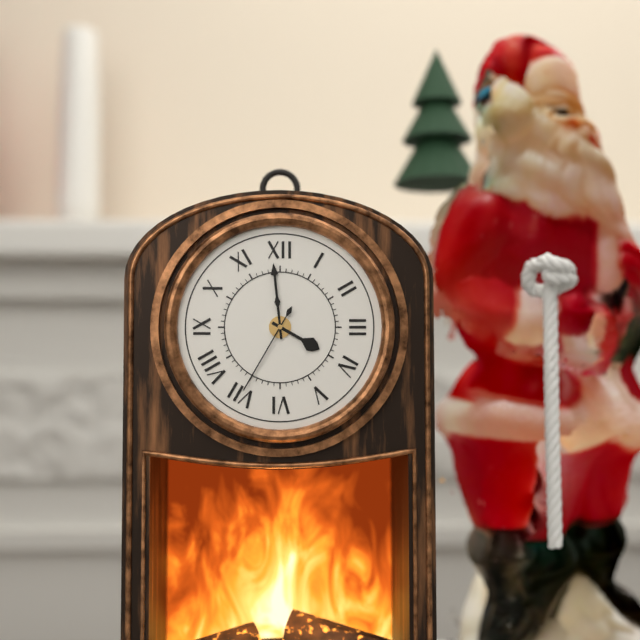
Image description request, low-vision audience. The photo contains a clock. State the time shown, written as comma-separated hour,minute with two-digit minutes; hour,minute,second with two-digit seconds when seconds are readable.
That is 3,59,35
